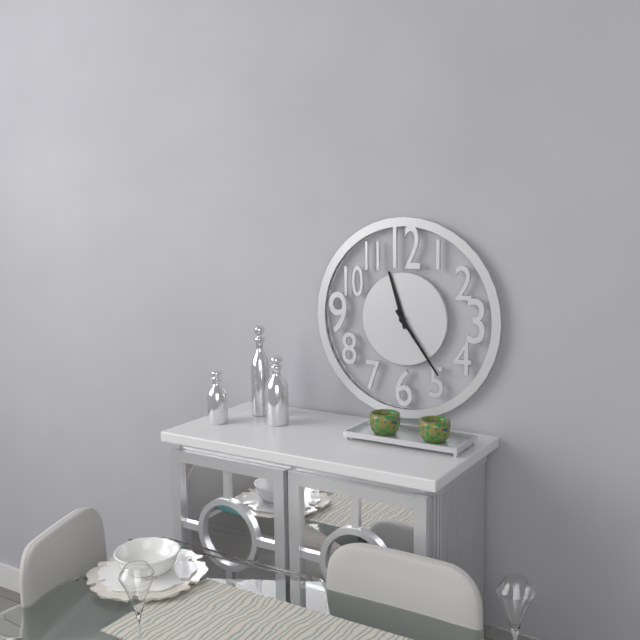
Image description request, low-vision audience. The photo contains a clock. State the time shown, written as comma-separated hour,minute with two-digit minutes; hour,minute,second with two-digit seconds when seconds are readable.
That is 11,24
